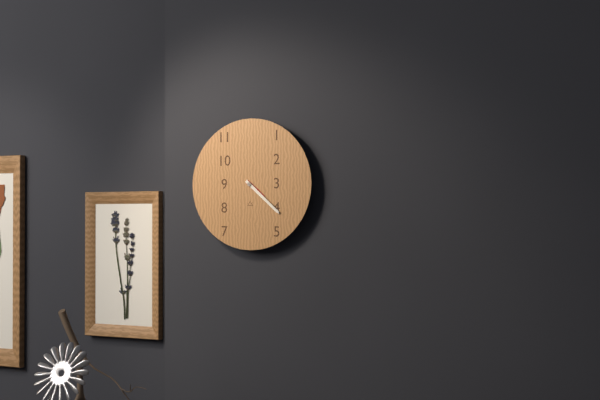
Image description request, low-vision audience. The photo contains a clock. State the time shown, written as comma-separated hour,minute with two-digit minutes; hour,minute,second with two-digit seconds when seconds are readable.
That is 4,22
